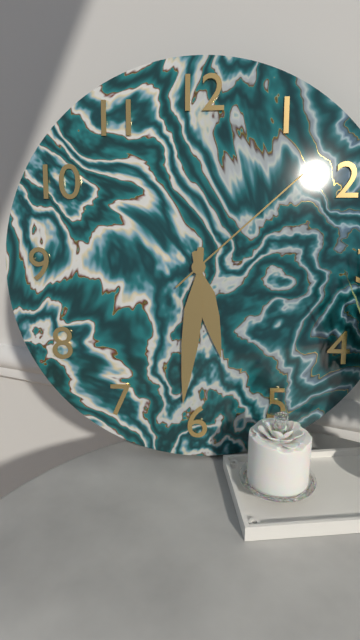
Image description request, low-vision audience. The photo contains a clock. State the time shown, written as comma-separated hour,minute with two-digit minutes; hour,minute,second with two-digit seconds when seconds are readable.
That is 5,31,08
